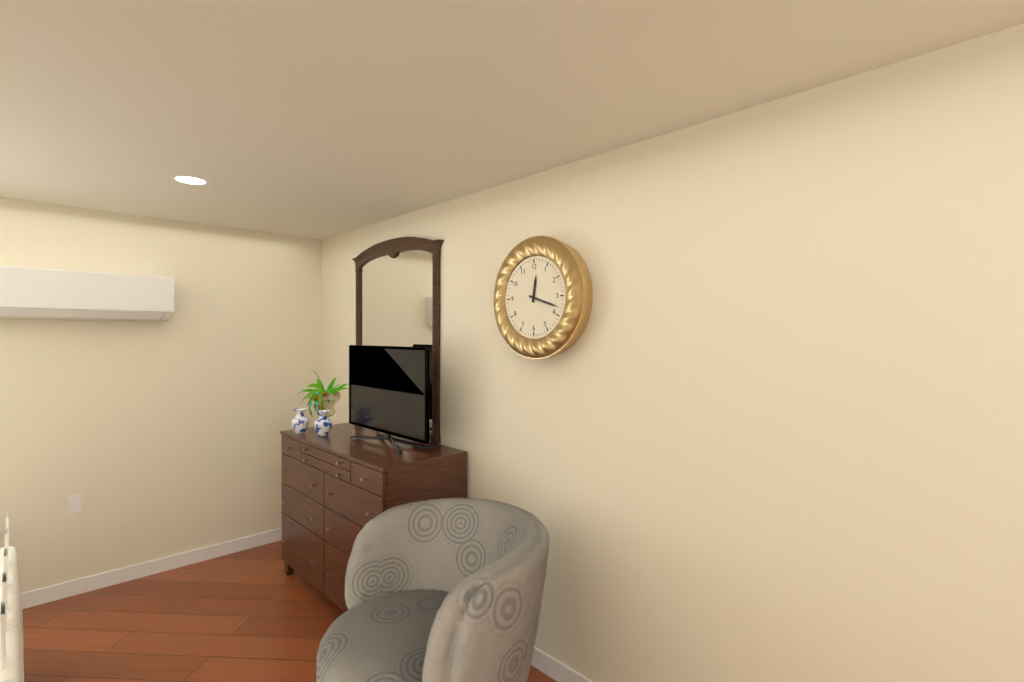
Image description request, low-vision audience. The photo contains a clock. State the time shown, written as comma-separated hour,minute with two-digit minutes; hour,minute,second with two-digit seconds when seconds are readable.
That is 12,18
